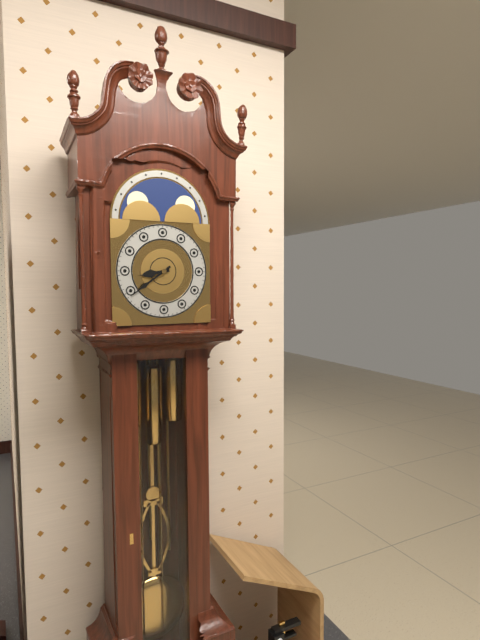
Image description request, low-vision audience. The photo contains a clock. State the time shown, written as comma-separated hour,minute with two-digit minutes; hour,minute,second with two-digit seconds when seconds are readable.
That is 8,39
